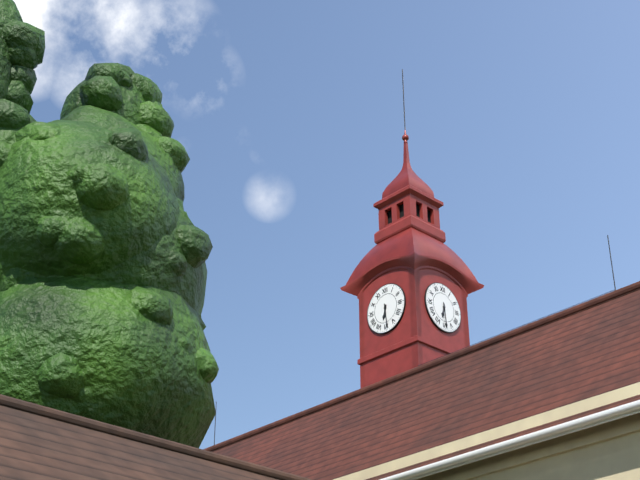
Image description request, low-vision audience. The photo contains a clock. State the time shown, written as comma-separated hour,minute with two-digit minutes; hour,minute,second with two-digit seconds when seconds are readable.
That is 6,29
